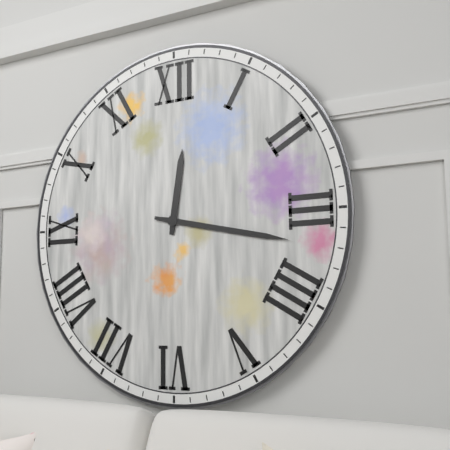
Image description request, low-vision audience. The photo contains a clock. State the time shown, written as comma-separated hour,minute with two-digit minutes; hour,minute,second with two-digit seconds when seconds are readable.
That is 12,17
